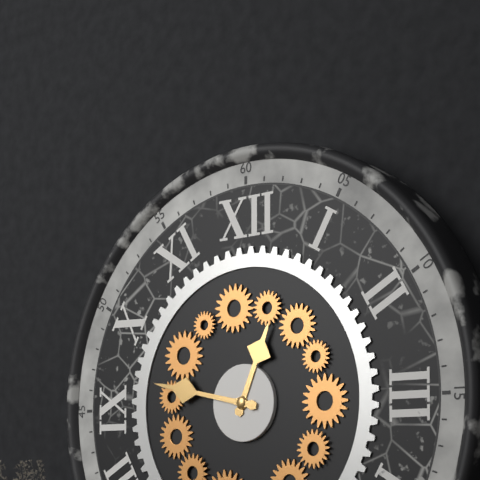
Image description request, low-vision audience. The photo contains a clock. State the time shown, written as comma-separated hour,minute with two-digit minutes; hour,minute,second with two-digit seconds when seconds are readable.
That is 12,47
